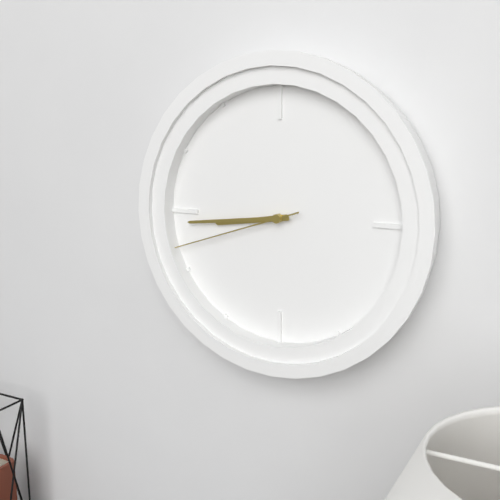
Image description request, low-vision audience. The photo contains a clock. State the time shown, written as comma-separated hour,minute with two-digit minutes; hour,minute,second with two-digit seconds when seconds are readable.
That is 8,44,42
